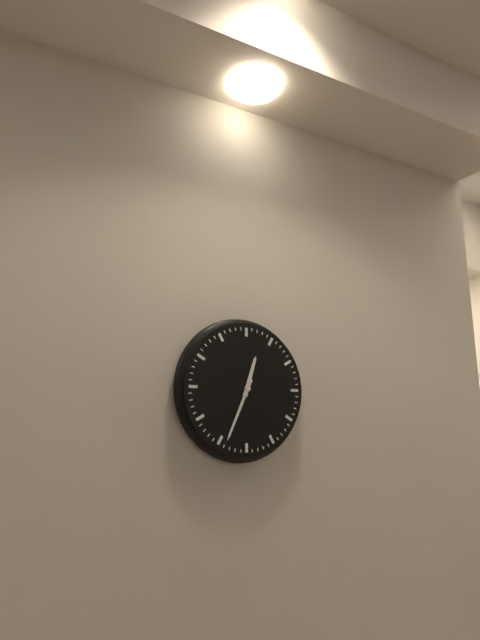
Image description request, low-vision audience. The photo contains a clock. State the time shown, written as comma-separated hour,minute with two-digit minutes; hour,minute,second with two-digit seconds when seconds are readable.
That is 12,34
